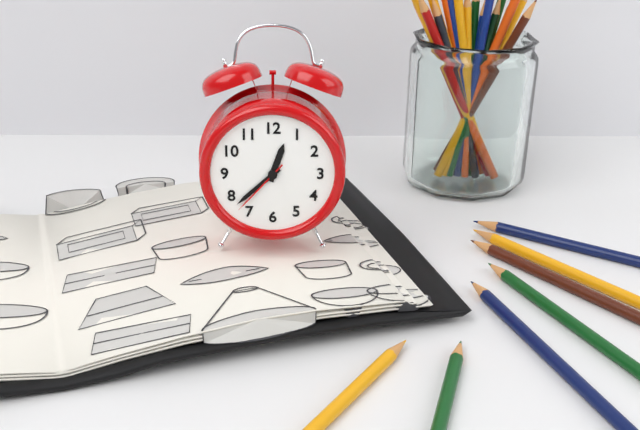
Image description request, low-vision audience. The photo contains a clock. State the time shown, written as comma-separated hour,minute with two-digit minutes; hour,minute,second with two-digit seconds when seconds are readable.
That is 12,38,37
